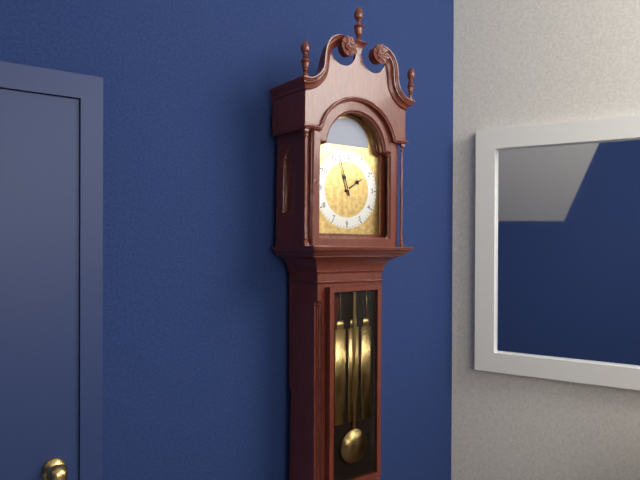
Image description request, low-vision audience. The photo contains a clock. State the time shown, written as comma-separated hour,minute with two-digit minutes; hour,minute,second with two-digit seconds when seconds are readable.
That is 1,57
